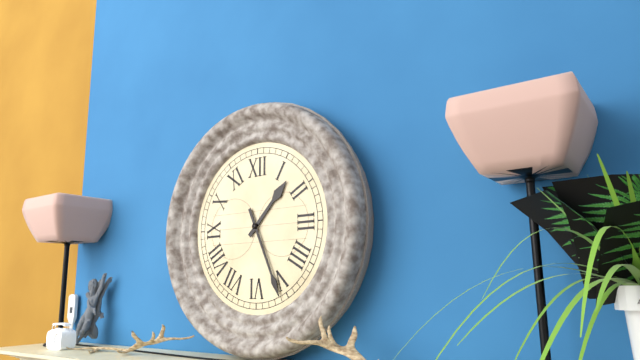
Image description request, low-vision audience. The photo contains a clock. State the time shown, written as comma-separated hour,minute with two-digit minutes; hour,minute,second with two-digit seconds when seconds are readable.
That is 1,26
